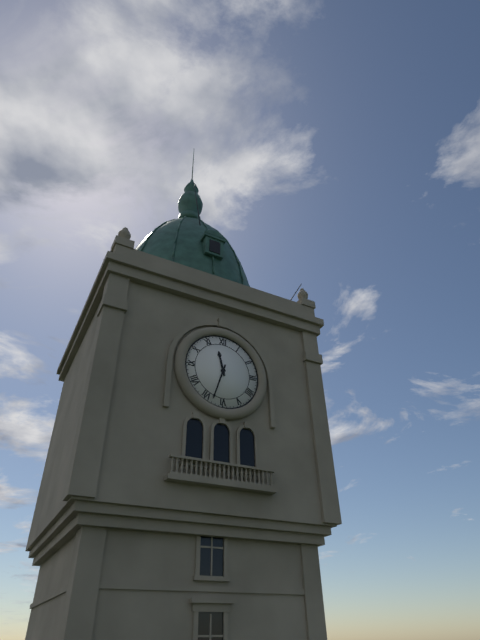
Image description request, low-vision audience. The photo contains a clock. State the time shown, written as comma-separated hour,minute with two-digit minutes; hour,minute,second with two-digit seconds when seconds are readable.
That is 11,33
